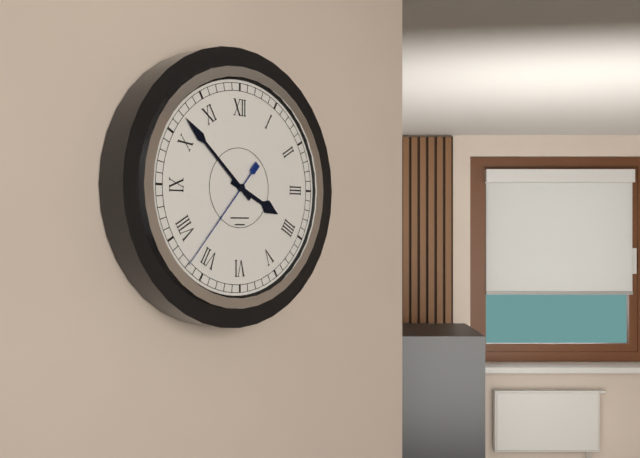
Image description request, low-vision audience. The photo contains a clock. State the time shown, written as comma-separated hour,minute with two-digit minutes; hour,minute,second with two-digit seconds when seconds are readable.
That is 3,52,37
